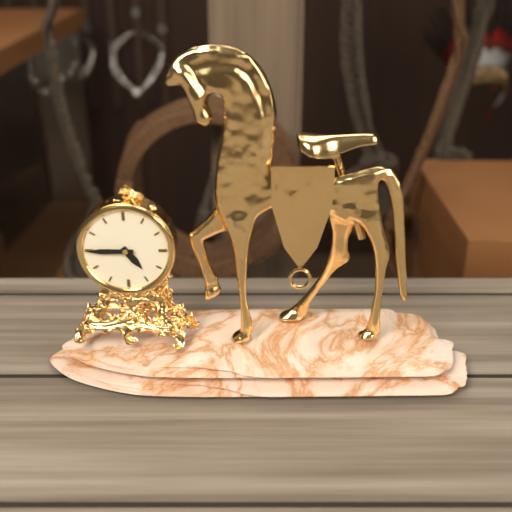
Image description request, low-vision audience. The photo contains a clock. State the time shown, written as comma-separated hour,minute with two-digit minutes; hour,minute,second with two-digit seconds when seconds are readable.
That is 4,45
